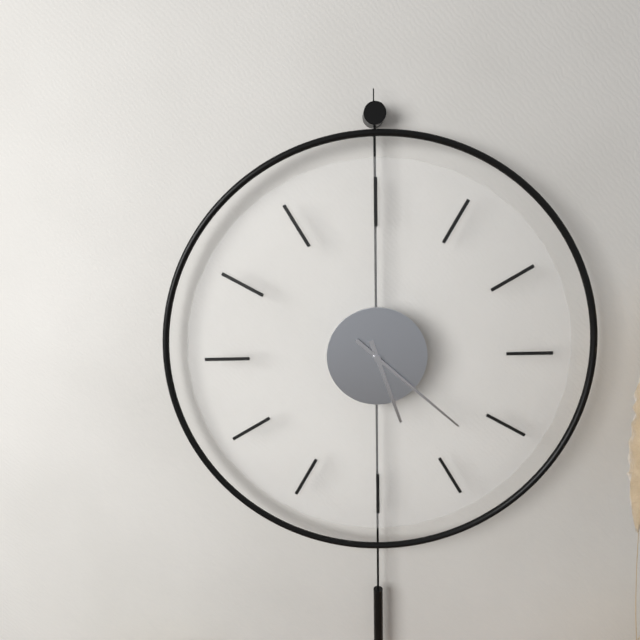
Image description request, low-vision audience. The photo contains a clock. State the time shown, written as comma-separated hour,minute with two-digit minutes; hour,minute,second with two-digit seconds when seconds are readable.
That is 5,22
